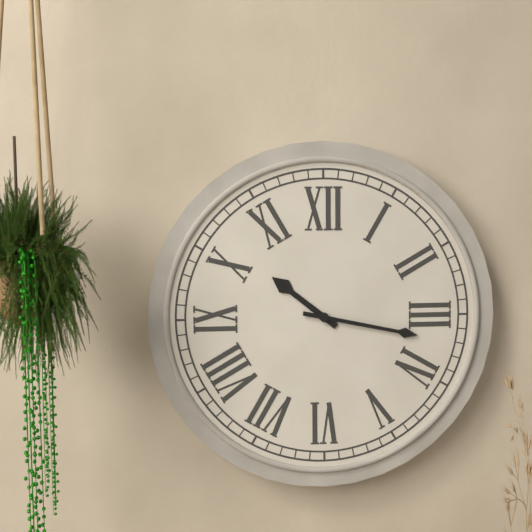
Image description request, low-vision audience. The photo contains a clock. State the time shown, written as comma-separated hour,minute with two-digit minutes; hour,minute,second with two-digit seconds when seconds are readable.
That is 10,17
